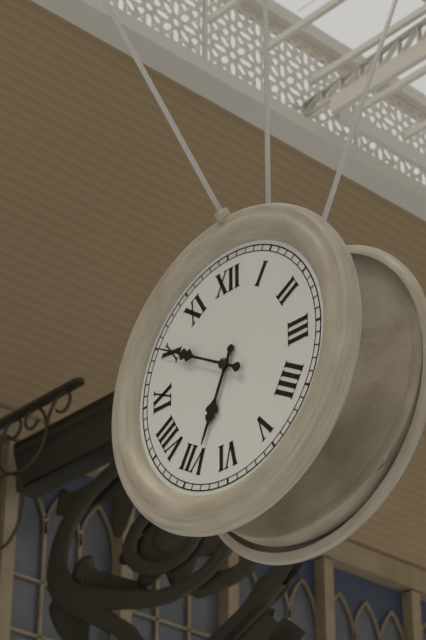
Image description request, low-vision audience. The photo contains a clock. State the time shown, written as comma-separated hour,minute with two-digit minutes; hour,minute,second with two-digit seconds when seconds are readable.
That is 6,50
